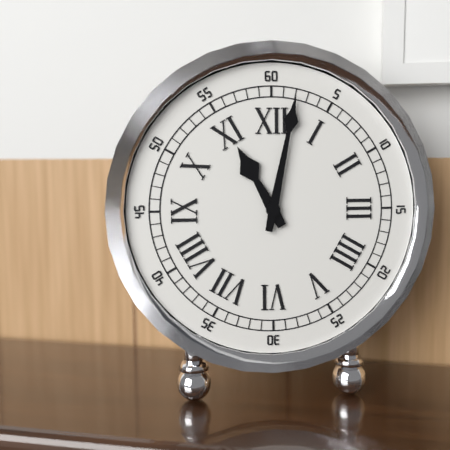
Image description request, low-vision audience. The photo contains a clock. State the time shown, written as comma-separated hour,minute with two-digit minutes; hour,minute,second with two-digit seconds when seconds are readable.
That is 11,02
